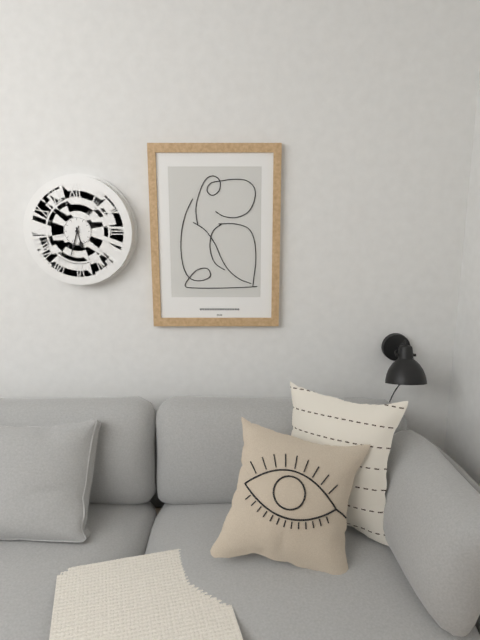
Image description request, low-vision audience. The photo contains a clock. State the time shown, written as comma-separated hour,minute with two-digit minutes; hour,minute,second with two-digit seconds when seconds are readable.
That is 5,33
